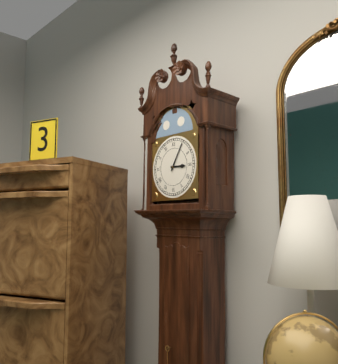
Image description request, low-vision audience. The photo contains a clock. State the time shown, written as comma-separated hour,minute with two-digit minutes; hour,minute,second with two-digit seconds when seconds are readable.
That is 3,05
